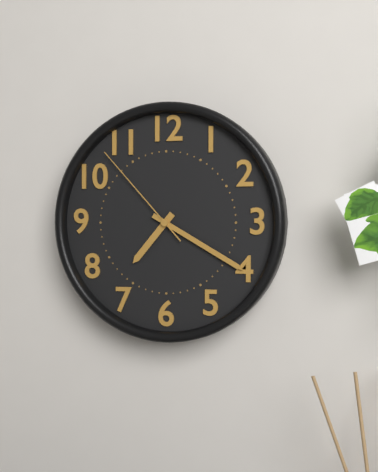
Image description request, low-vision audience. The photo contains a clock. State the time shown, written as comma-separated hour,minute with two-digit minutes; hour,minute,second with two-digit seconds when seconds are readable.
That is 7,20,53
